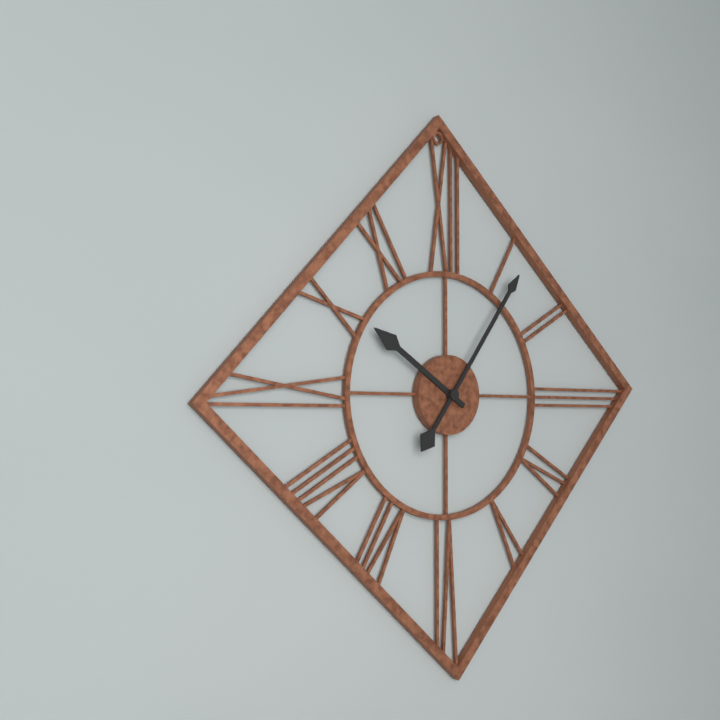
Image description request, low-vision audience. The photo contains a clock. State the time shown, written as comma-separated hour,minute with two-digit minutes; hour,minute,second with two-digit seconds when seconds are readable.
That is 10,06
